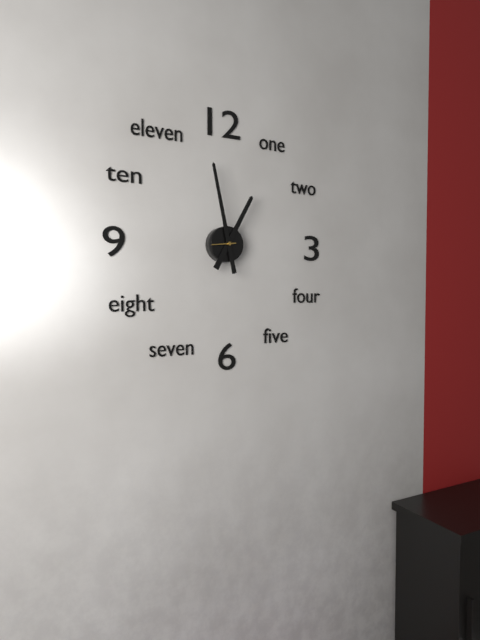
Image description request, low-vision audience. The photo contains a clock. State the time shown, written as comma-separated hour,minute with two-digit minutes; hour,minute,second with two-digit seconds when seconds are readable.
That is 12,58
